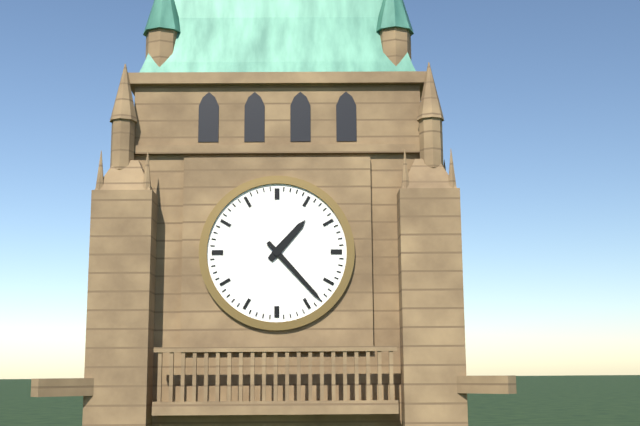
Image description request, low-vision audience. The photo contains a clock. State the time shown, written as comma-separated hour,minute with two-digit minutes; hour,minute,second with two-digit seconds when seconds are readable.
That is 1,23
